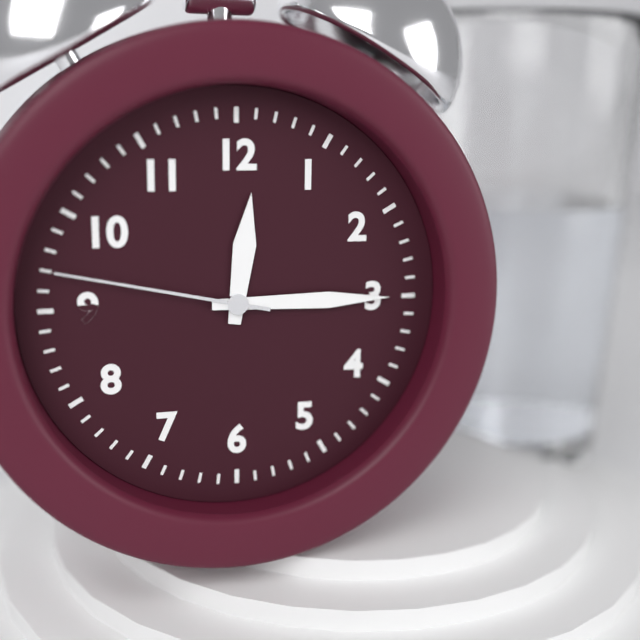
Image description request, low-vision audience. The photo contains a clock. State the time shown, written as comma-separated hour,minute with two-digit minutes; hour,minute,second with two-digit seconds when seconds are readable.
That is 12,15,47
